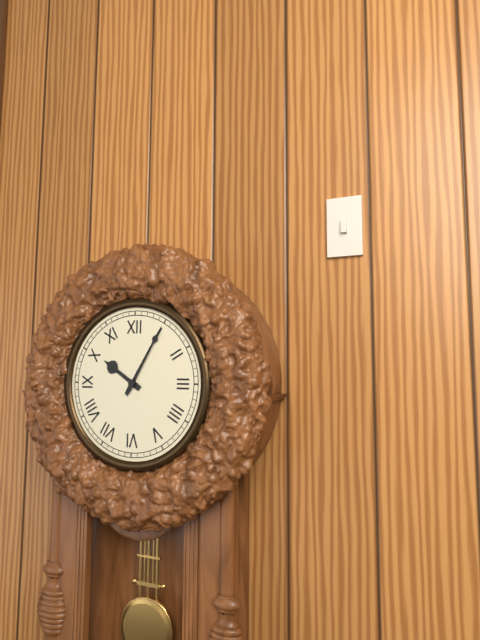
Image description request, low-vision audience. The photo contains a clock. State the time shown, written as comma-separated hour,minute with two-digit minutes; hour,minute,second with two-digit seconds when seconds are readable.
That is 10,05
